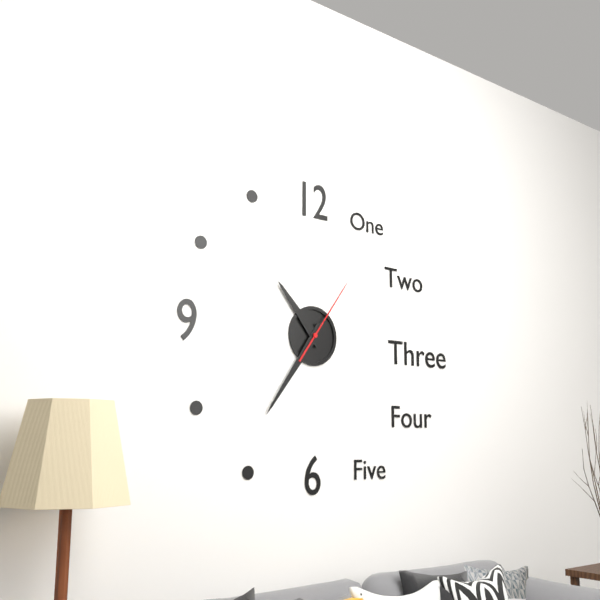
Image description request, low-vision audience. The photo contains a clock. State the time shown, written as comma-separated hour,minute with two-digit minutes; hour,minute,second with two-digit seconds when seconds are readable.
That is 10,36,06
